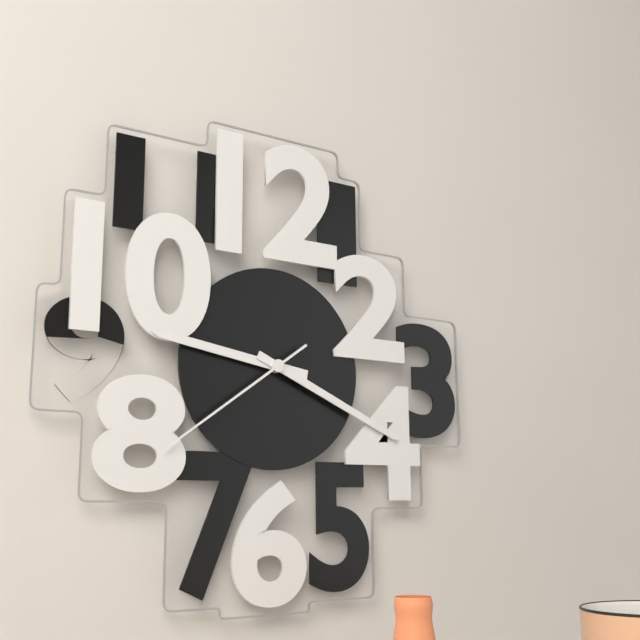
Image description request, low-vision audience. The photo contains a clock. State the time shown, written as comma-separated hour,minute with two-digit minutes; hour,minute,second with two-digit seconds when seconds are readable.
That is 9,19,39
